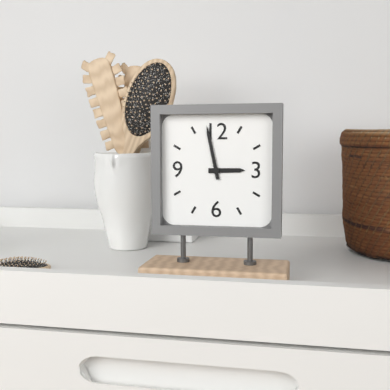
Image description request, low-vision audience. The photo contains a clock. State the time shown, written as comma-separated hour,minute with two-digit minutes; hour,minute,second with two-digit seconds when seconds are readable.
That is 2,58
